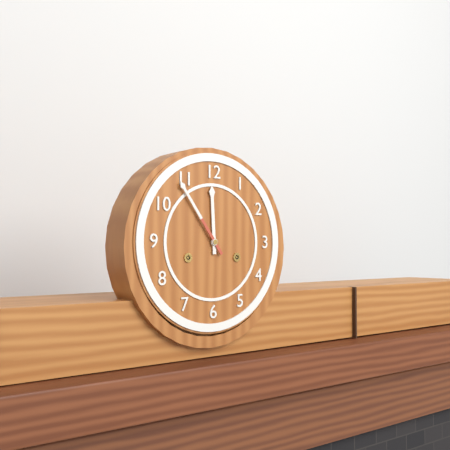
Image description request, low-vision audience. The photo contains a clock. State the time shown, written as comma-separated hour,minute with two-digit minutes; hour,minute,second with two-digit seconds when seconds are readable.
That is 11,54
